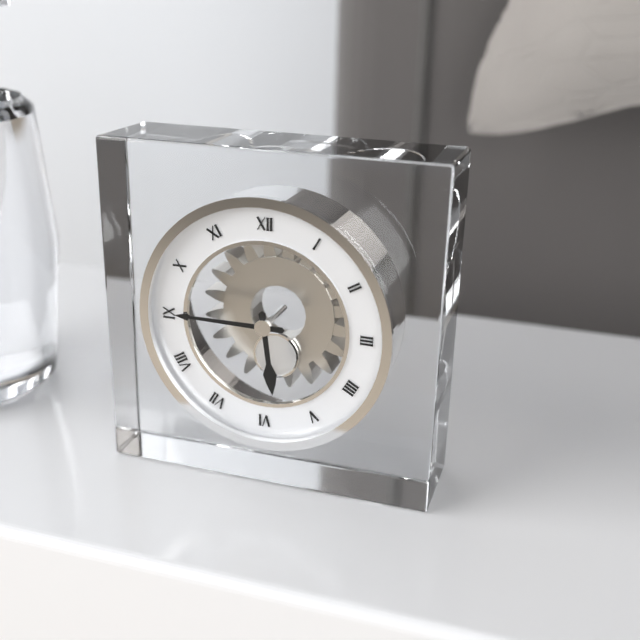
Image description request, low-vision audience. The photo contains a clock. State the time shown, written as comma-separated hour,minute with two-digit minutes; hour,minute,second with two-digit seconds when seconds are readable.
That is 5,45
